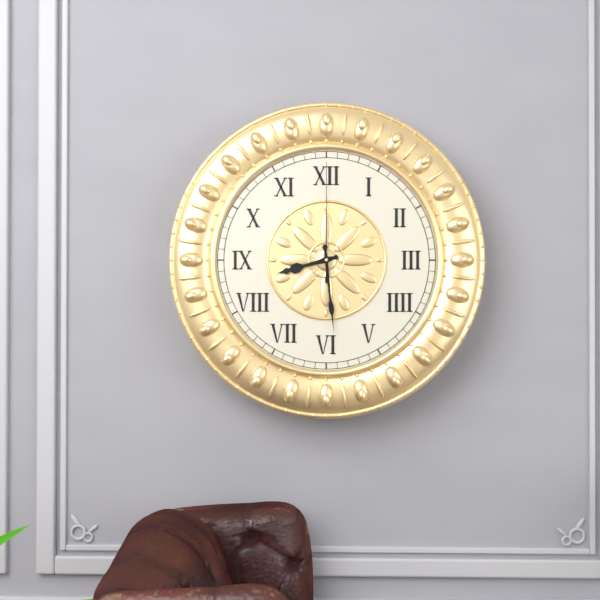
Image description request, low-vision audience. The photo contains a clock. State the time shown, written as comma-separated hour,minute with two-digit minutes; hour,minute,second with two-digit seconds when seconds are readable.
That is 8,29,00
